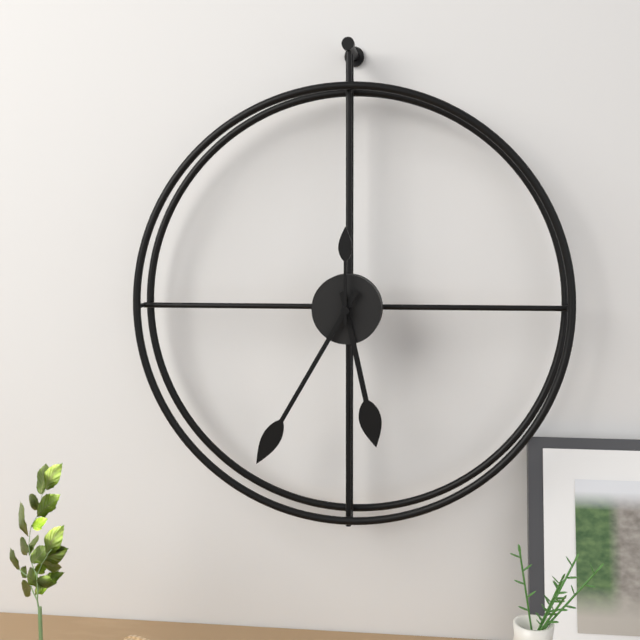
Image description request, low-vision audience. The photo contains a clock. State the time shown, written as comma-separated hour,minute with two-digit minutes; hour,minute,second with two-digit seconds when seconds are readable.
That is 5,35,00
